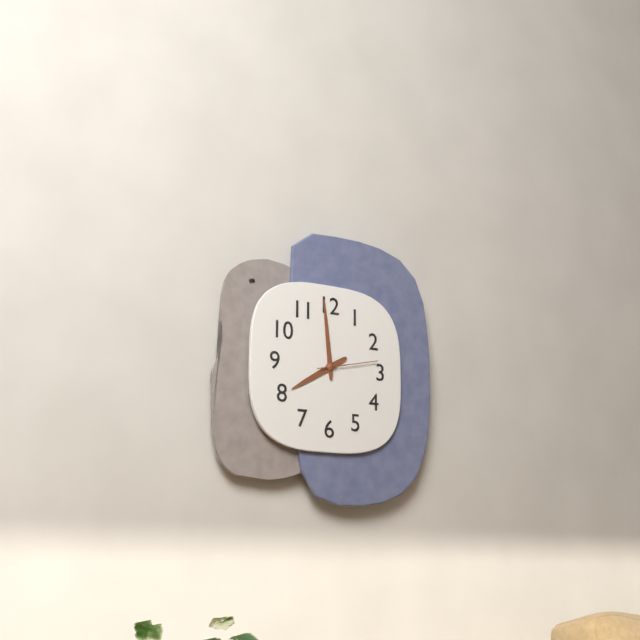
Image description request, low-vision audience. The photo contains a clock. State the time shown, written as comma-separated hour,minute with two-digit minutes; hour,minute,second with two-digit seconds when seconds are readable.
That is 7,59,13
